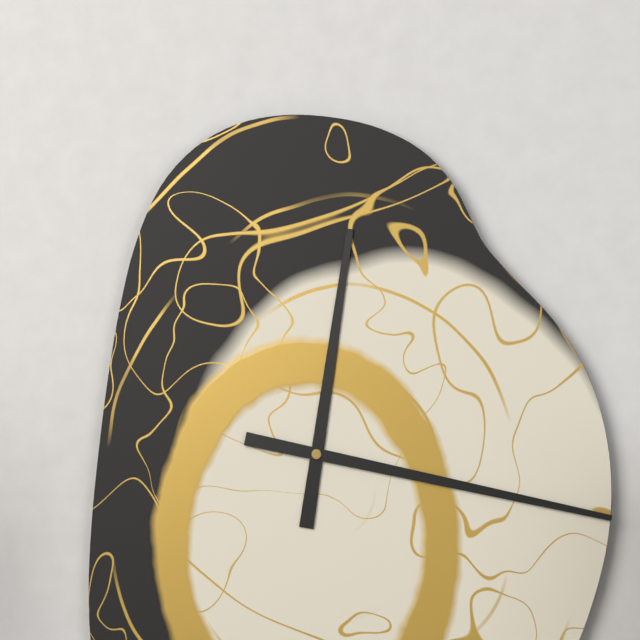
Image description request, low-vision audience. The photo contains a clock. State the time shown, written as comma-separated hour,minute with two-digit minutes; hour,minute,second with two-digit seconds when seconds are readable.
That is 12,17
